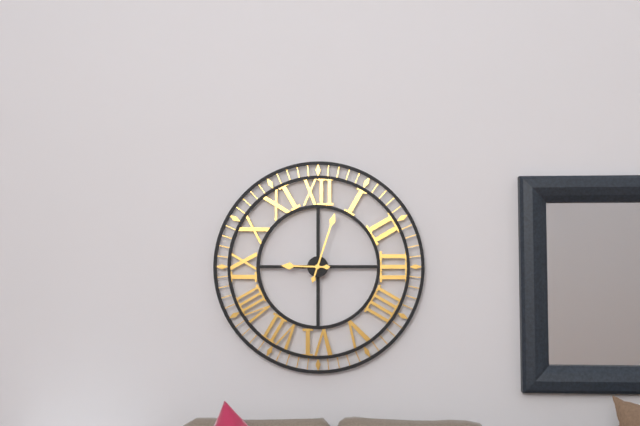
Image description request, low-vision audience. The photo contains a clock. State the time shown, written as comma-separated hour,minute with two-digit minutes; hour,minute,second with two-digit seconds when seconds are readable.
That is 9,03
